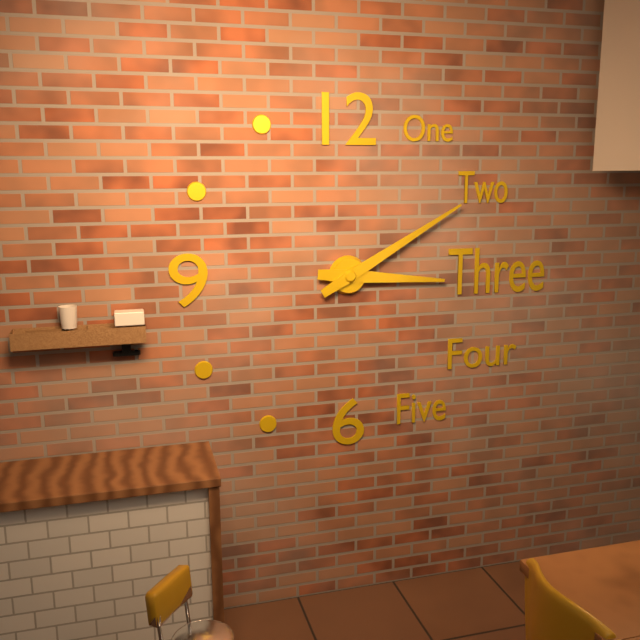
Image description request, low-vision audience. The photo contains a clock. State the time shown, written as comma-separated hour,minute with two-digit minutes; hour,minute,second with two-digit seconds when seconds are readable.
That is 3,10
